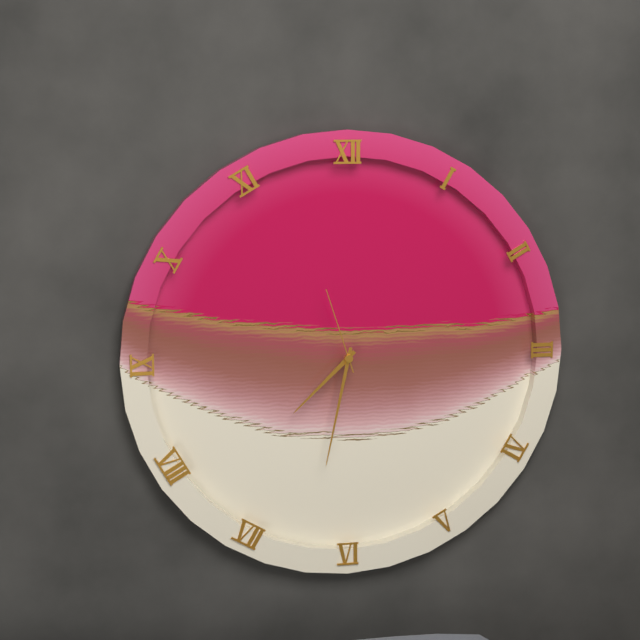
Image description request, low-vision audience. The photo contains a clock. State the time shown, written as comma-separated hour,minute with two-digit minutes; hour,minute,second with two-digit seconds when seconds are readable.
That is 7,32,57
